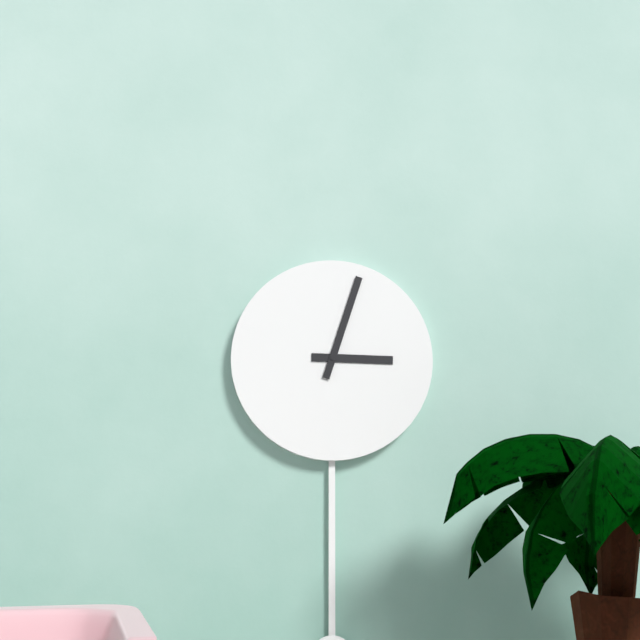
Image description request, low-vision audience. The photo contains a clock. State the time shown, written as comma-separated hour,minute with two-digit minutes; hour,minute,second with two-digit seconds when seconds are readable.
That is 3,03
